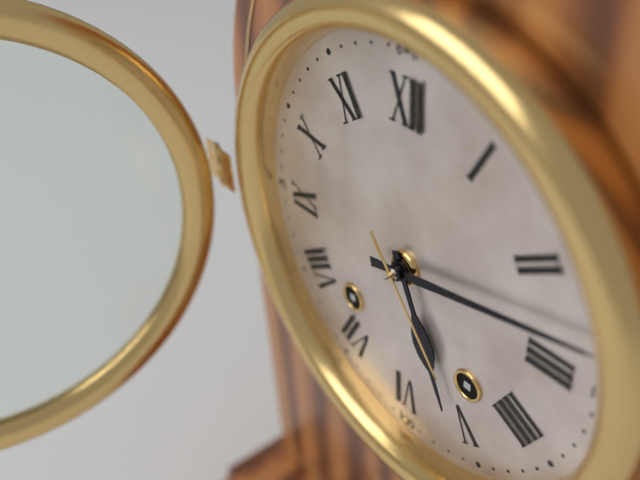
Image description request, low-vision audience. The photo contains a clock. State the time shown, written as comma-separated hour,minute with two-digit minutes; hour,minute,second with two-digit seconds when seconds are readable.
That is 5,13
